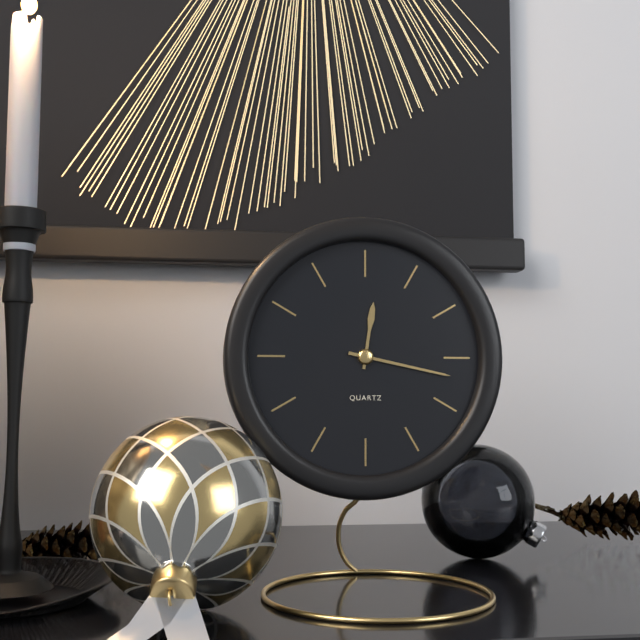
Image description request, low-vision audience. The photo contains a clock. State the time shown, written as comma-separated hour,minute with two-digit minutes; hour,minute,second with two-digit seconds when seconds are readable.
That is 12,17
